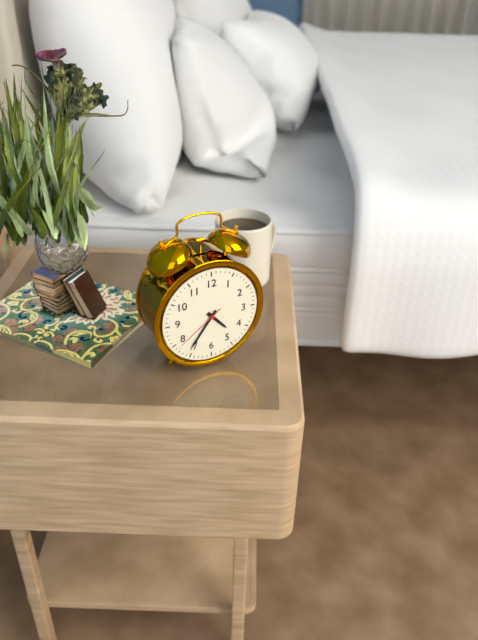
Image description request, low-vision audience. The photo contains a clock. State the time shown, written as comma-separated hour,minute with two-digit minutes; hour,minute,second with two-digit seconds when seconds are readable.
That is 4,36,39
